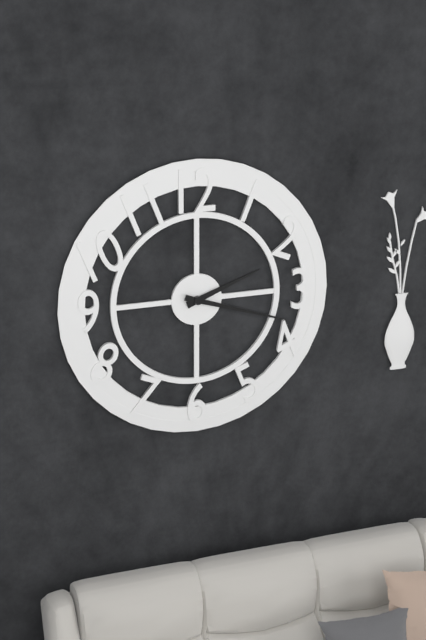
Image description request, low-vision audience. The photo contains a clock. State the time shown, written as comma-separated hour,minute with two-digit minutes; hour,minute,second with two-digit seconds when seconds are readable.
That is 2,18
